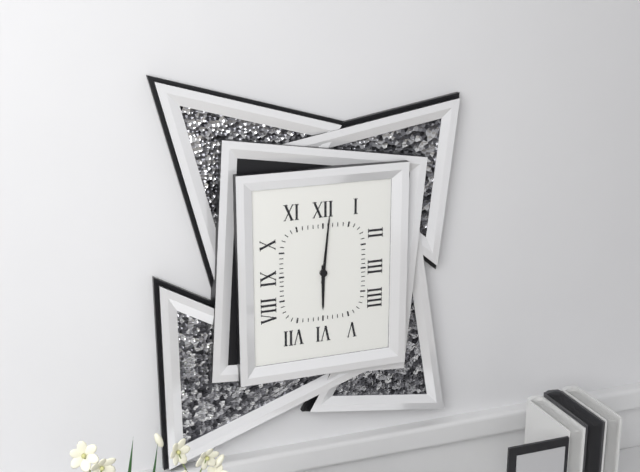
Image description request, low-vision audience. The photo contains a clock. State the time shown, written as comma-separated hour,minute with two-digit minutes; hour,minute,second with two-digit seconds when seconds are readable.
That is 6,01
